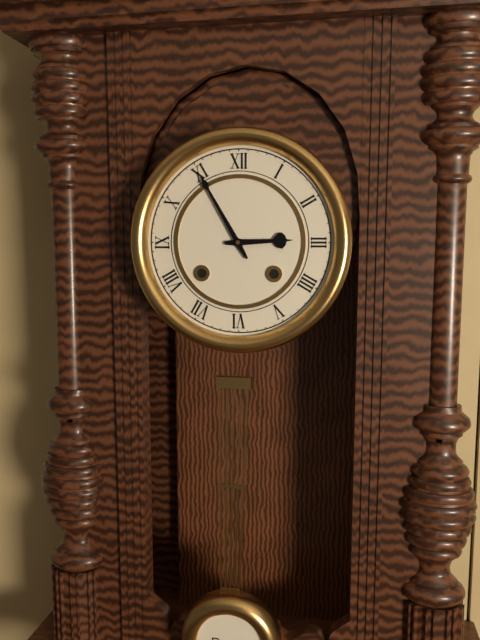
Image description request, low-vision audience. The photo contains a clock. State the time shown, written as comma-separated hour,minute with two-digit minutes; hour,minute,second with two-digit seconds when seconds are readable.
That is 2,55
